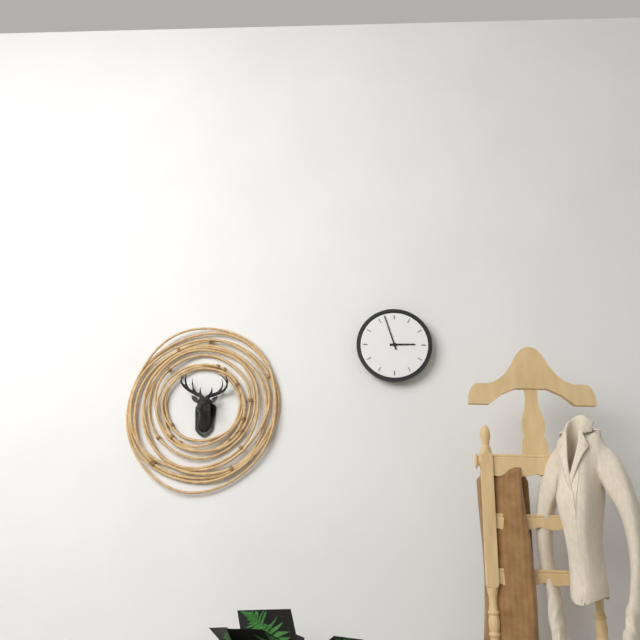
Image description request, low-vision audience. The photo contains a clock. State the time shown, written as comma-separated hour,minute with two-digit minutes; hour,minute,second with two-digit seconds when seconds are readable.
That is 2,57
